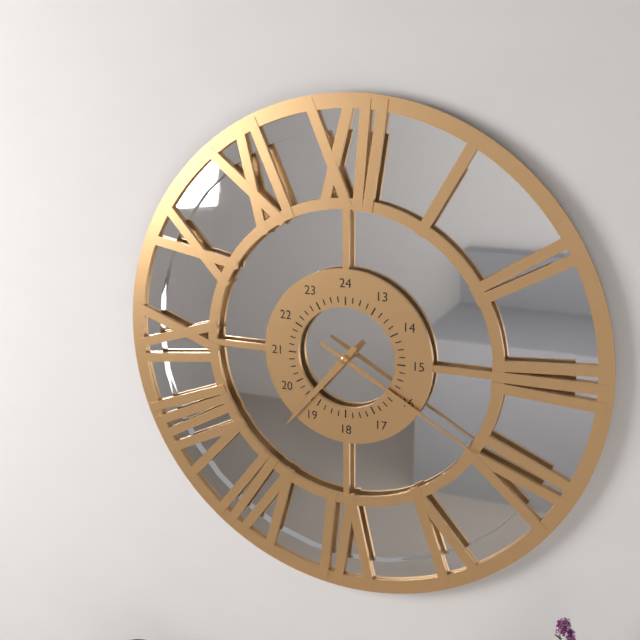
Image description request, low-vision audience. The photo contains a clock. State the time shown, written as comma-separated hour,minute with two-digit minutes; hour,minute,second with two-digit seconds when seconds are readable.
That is 7,20
